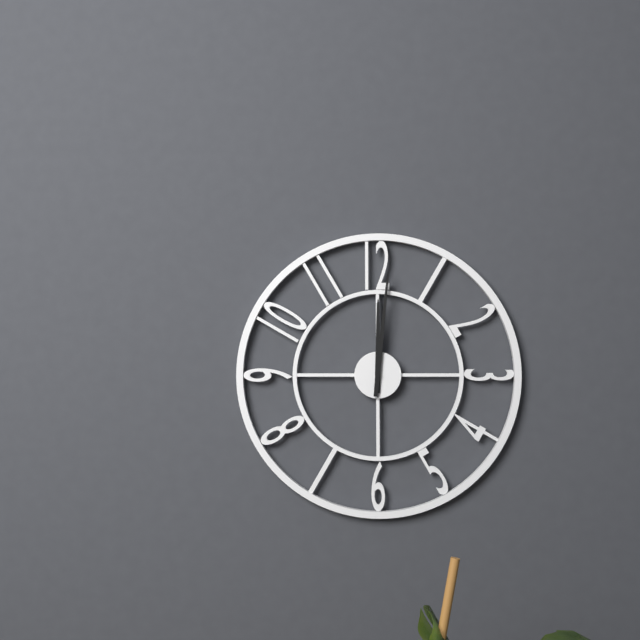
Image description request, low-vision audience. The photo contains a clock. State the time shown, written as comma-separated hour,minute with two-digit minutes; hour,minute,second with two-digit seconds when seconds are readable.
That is 12,01
